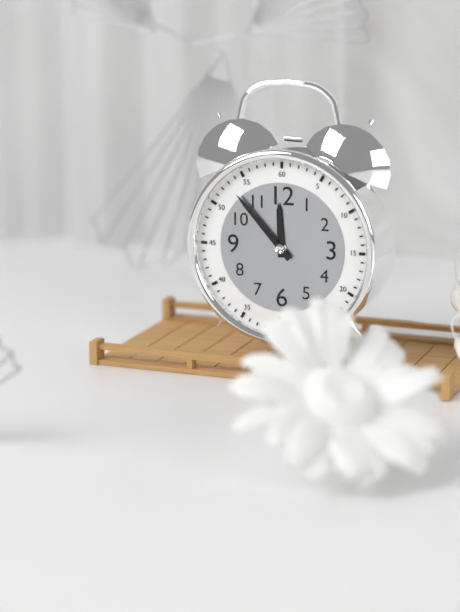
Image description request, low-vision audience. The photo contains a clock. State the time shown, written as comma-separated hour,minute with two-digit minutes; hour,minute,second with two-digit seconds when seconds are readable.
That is 11,53
